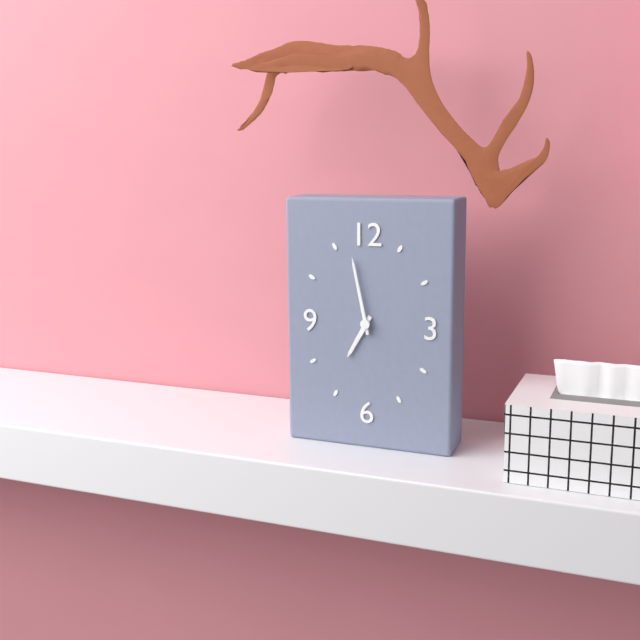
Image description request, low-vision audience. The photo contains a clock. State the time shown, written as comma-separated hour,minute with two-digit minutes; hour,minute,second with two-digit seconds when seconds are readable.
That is 6,58
